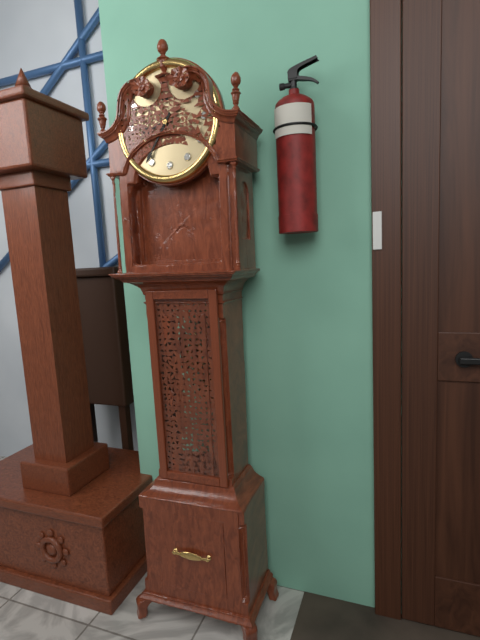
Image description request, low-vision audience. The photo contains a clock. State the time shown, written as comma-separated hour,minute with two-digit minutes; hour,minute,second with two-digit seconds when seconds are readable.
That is 8,36
